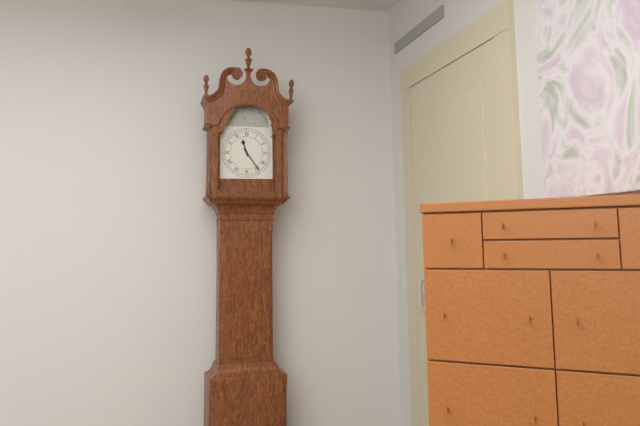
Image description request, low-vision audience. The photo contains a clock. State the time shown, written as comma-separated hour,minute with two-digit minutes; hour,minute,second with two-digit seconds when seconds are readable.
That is 11,24
